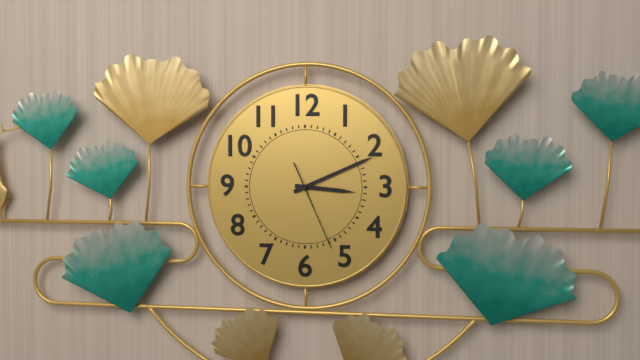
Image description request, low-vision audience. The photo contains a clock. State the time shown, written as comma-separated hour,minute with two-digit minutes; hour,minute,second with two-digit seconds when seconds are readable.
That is 3,11,26
